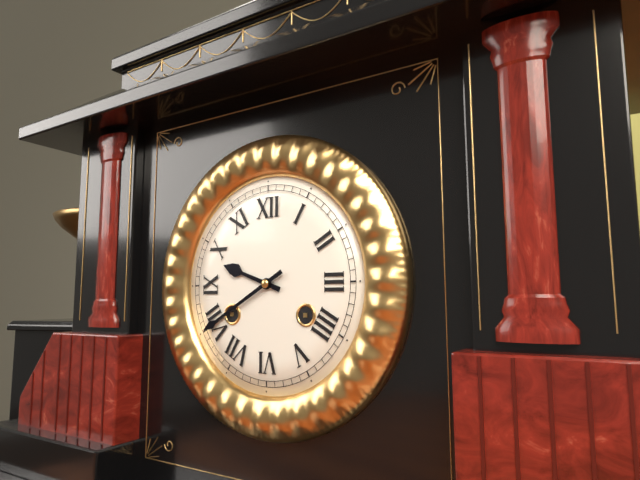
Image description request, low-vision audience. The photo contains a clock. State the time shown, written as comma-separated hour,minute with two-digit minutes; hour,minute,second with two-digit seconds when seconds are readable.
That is 9,40
